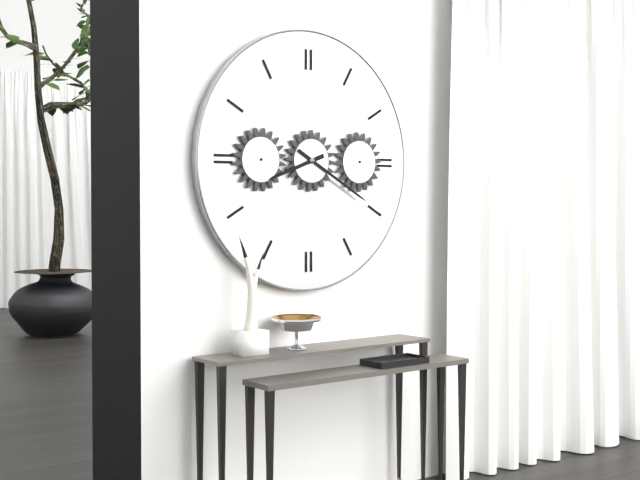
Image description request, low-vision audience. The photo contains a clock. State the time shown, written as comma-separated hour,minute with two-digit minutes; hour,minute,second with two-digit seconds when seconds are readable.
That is 8,20
